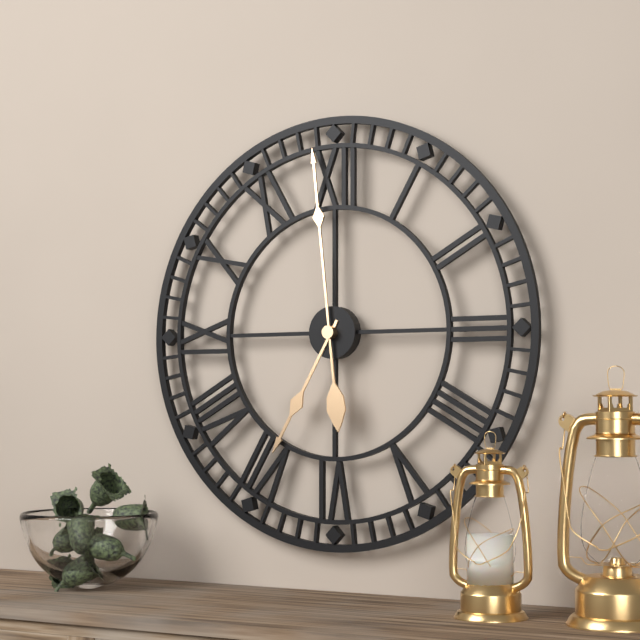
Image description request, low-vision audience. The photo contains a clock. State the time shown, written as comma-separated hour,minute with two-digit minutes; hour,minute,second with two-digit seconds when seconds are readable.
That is 6,59
